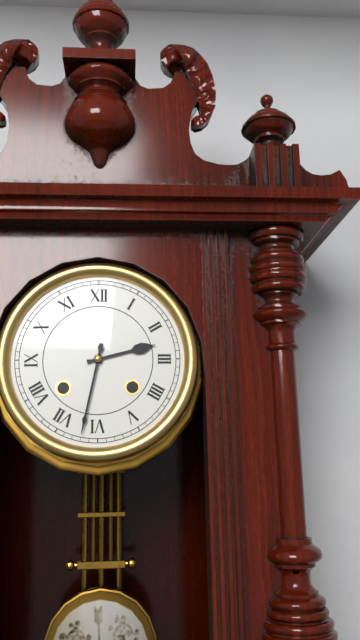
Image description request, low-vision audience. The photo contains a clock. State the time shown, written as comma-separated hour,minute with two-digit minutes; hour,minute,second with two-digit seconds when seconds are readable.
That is 2,32
